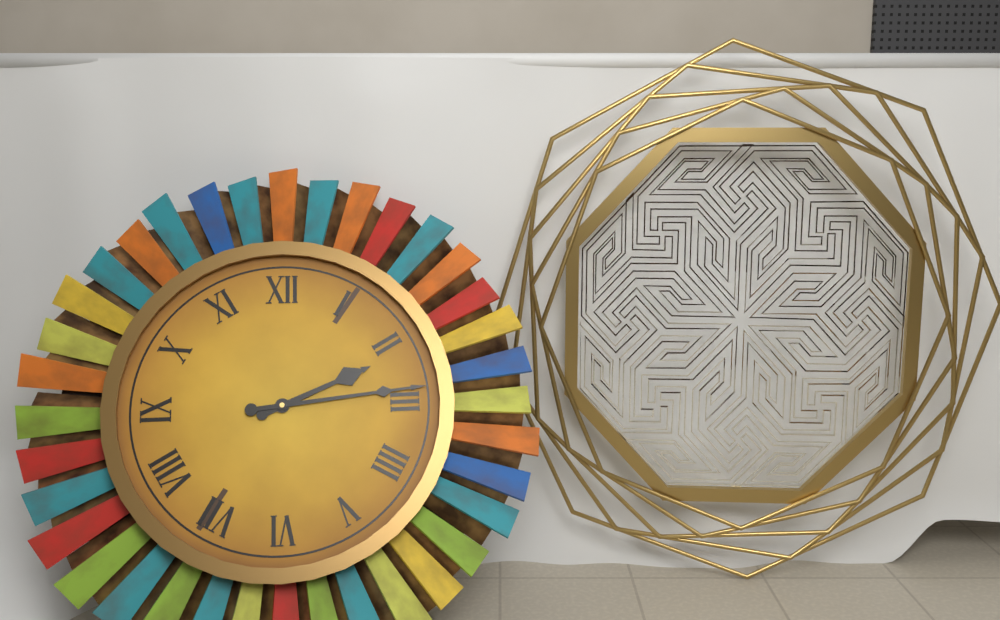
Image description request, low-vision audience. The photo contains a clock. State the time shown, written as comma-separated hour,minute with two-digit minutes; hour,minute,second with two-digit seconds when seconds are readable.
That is 2,14
